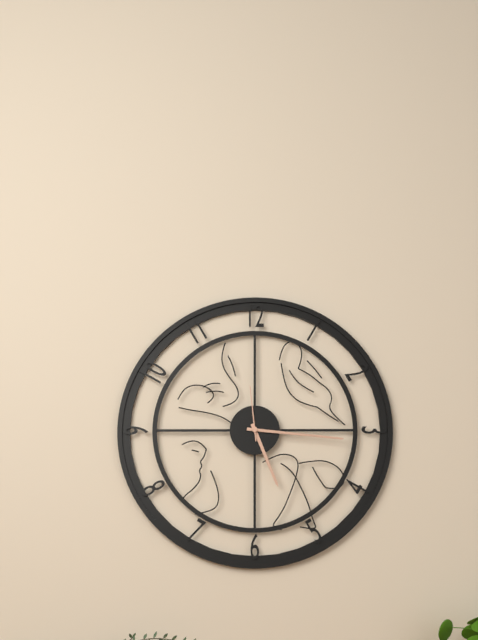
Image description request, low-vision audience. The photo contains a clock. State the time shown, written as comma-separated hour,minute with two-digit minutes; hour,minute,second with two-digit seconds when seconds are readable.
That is 5,16,59
